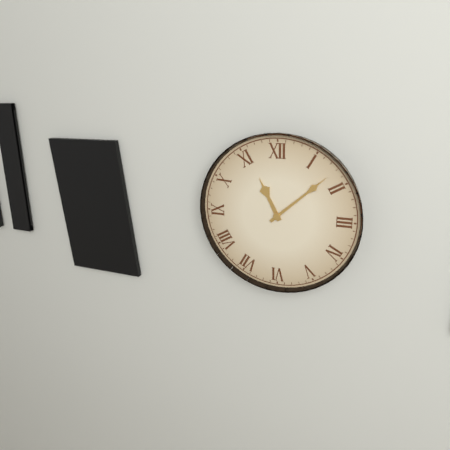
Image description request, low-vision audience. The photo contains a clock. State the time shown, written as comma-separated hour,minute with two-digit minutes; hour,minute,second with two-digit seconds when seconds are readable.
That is 11,08
